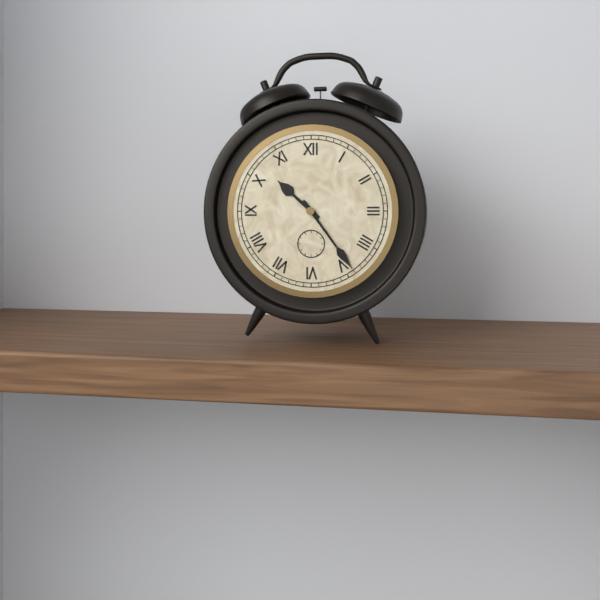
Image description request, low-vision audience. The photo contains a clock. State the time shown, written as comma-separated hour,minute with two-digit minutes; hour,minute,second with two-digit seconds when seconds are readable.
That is 10,24
